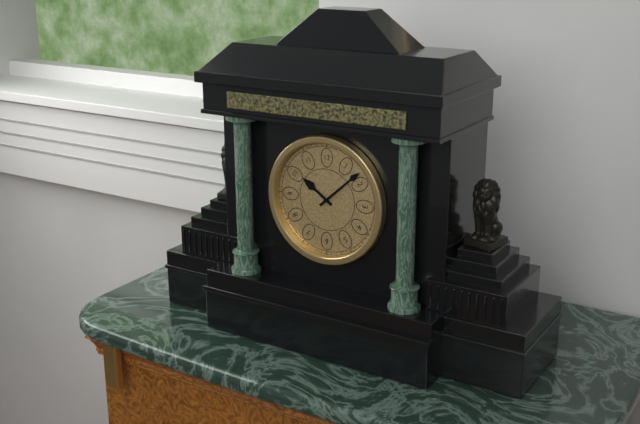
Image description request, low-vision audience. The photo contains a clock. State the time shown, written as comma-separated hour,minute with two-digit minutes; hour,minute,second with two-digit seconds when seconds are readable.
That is 10,08
